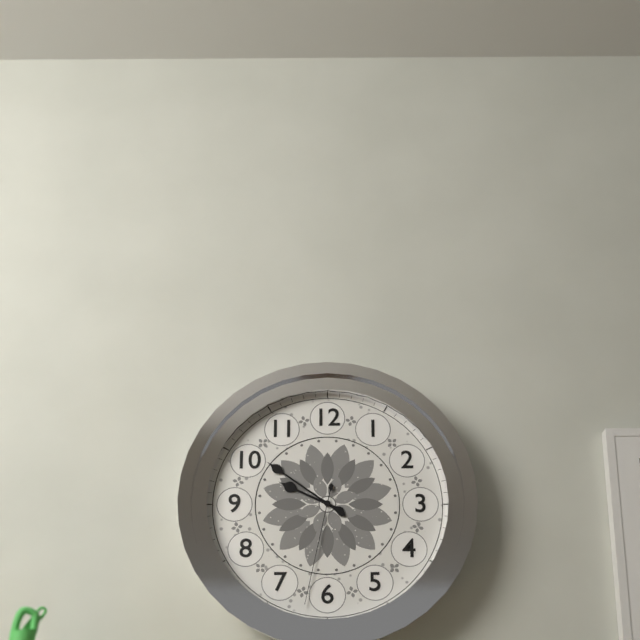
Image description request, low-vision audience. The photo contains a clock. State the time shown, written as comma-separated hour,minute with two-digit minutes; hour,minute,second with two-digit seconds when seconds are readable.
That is 9,51,32
